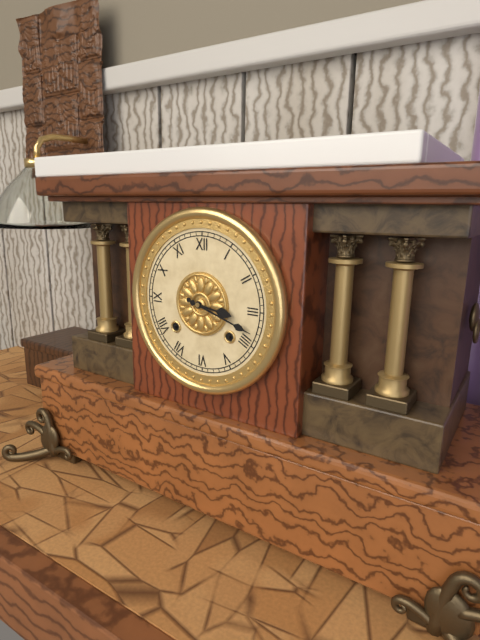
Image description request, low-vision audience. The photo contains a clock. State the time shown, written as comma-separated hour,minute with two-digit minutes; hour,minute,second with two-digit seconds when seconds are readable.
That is 3,18
